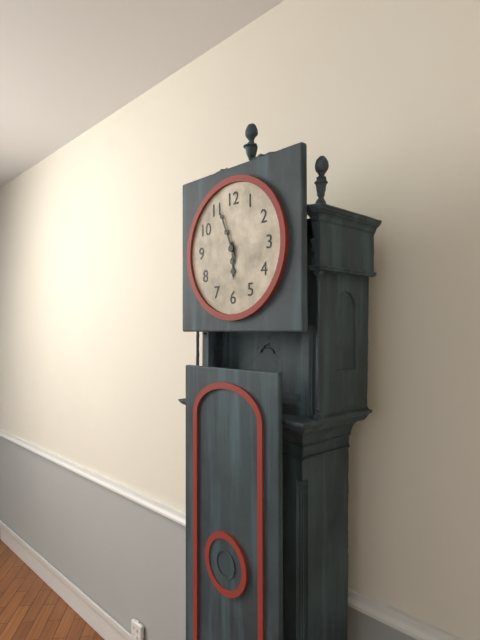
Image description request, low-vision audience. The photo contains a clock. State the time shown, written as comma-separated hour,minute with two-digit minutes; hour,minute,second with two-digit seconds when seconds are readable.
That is 5,56
